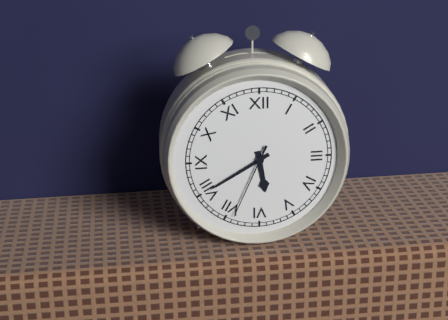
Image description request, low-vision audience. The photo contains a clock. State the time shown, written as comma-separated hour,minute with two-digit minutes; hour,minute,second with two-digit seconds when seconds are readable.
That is 5,40,34
